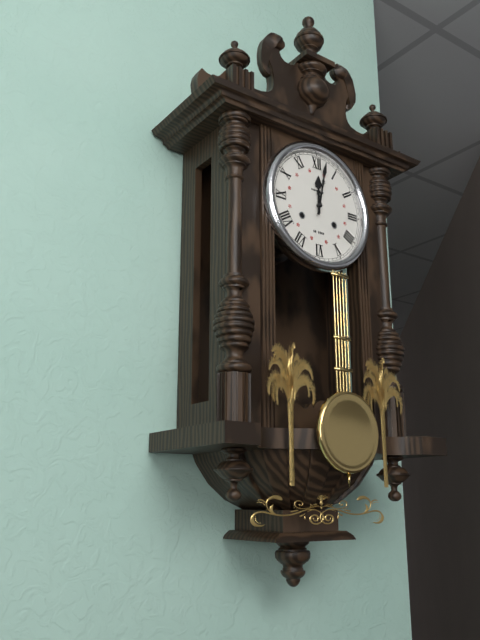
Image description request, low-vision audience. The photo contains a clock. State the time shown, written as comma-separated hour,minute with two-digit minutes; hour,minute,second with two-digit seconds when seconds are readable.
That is 12,02
